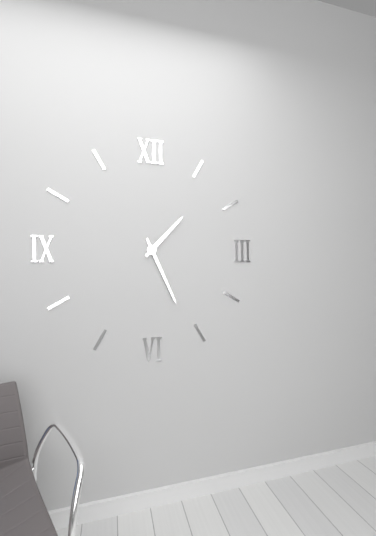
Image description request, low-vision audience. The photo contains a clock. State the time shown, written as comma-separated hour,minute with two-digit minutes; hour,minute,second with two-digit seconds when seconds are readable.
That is 1,26
